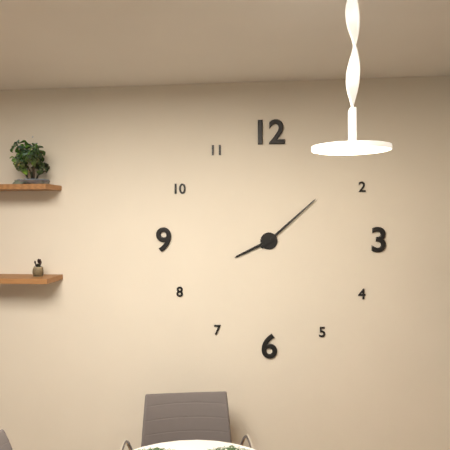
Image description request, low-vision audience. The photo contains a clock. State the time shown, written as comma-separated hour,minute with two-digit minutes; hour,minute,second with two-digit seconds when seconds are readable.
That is 8,08
